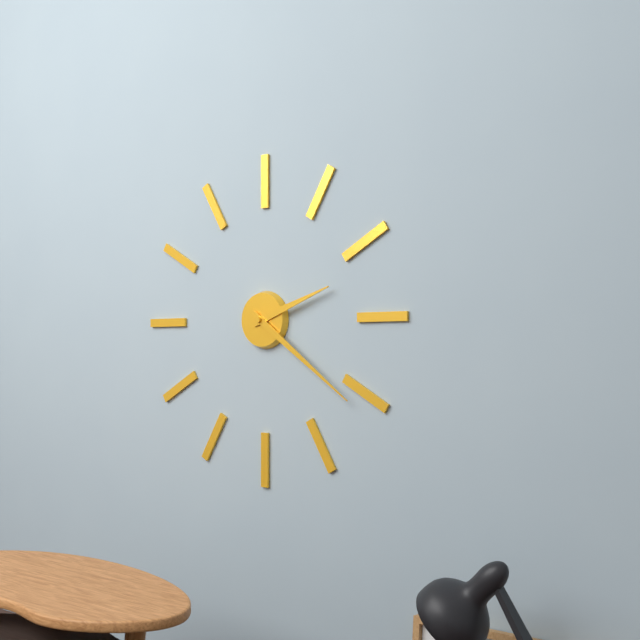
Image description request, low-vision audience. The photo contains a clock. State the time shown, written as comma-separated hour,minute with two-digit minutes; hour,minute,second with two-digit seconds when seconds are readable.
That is 2,21
